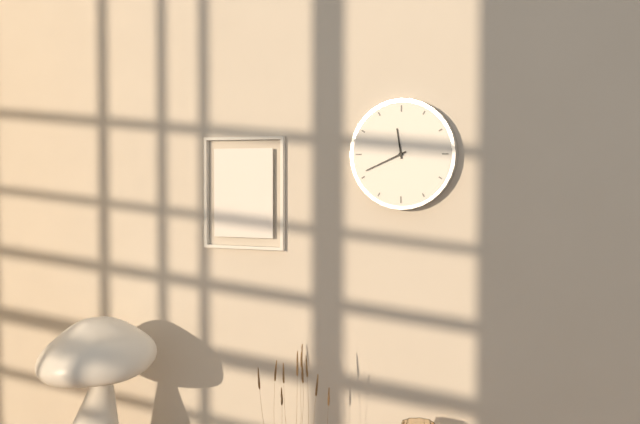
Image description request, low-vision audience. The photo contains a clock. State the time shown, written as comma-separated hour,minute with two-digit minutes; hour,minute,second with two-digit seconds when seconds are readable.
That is 11,41
